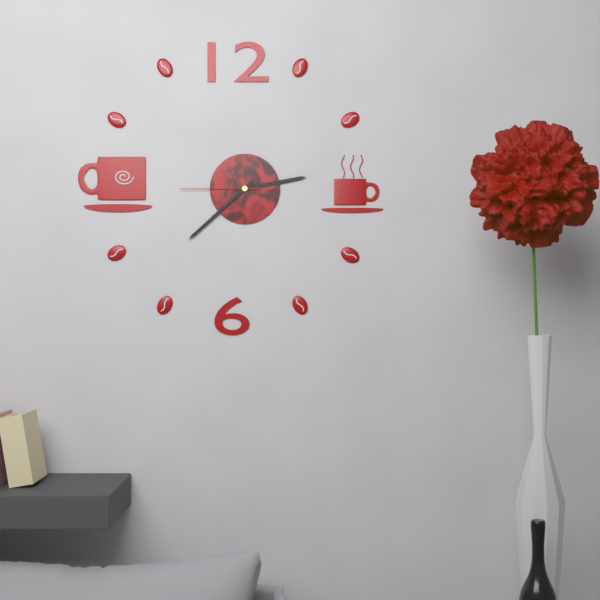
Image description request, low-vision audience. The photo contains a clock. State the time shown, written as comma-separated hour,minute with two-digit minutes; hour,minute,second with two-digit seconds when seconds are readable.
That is 2,38,45
